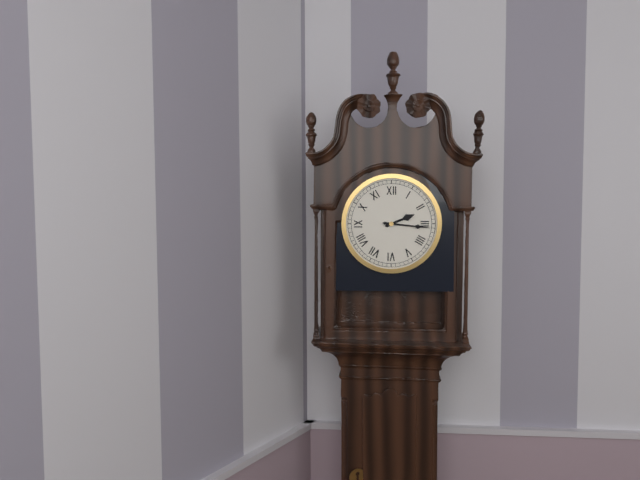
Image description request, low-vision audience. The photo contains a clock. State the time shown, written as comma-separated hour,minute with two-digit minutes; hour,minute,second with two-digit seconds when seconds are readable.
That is 2,16
